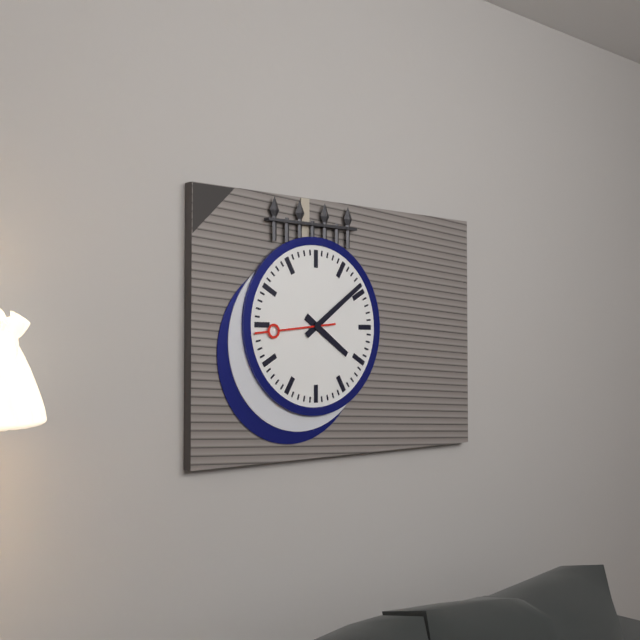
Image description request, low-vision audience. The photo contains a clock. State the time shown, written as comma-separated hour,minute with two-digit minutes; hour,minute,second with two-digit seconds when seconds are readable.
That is 4,09,44
